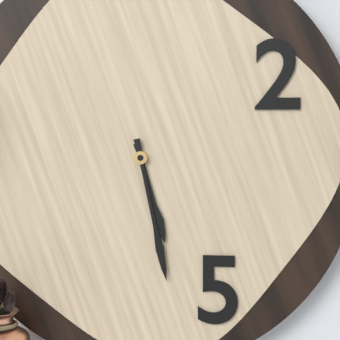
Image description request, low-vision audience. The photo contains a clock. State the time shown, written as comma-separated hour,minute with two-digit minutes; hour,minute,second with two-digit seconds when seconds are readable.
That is 5,28
